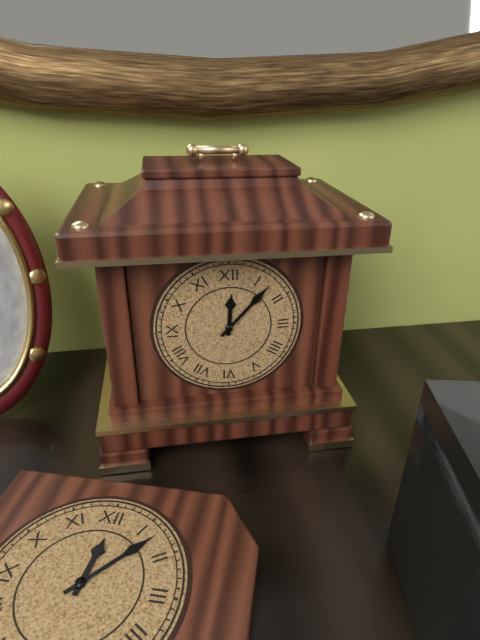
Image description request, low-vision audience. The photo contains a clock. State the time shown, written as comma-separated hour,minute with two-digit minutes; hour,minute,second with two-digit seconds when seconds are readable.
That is 12,07
